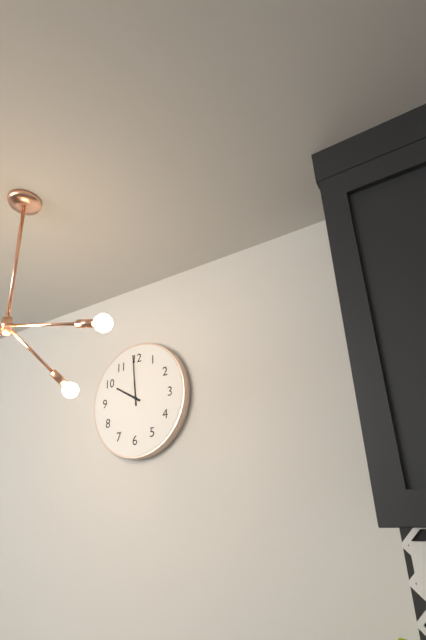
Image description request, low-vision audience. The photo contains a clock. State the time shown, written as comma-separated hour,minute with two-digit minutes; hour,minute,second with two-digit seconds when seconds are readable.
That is 9,59
